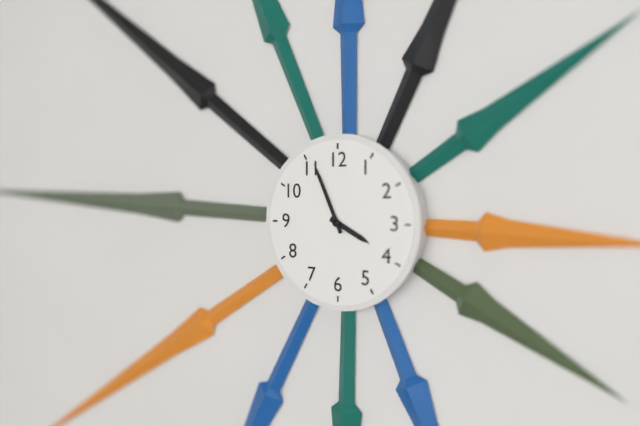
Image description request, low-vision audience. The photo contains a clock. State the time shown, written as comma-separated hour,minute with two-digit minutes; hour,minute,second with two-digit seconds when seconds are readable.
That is 3,56
